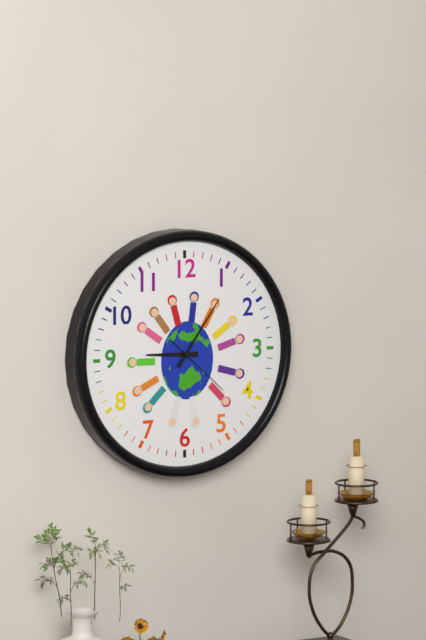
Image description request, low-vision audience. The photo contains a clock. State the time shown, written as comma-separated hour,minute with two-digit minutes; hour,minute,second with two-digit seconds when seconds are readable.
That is 9,06,22
